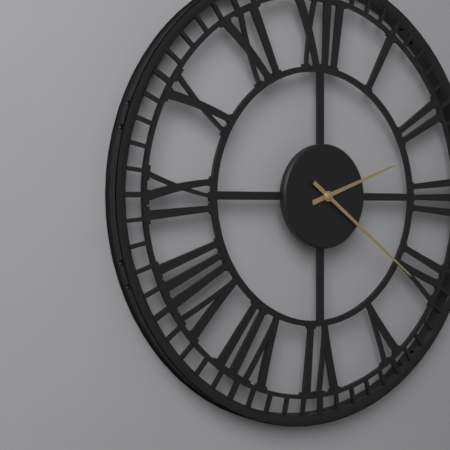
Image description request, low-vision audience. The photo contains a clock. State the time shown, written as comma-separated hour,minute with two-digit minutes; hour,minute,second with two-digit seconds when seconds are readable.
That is 2,21
